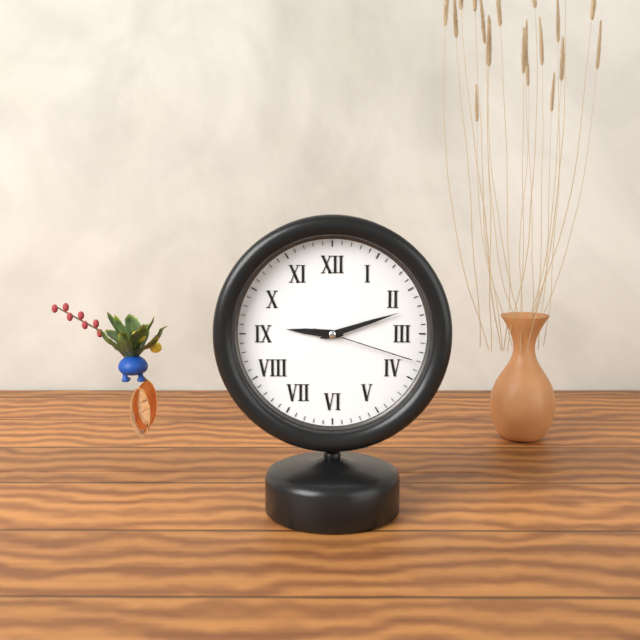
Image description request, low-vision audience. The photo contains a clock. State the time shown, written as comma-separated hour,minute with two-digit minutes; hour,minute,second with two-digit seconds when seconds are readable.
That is 9,12,18
